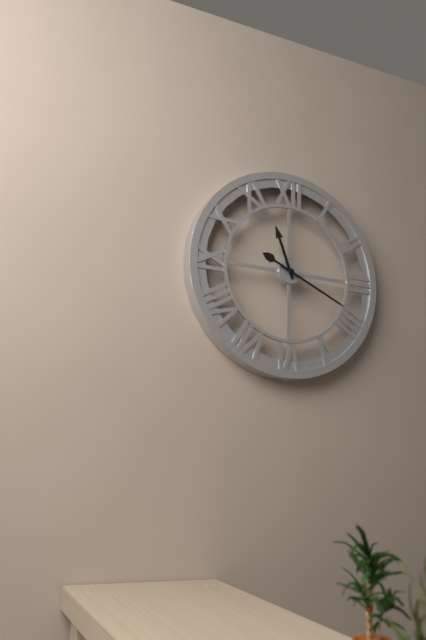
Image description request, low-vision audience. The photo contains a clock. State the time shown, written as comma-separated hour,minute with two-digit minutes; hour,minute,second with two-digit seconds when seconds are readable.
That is 11,19
